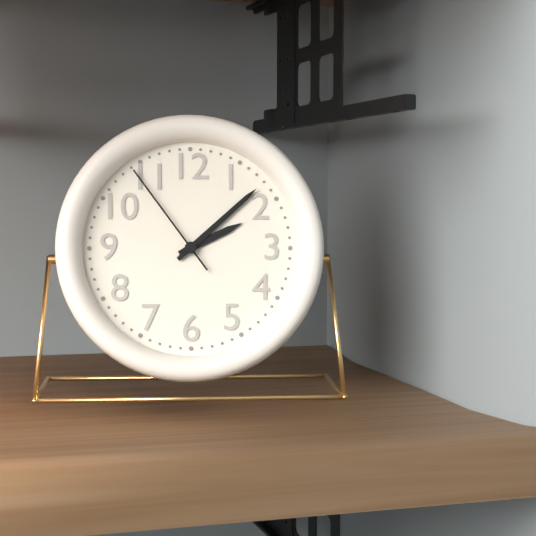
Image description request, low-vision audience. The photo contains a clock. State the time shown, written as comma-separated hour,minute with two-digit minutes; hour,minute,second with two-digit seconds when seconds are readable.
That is 2,08,54
